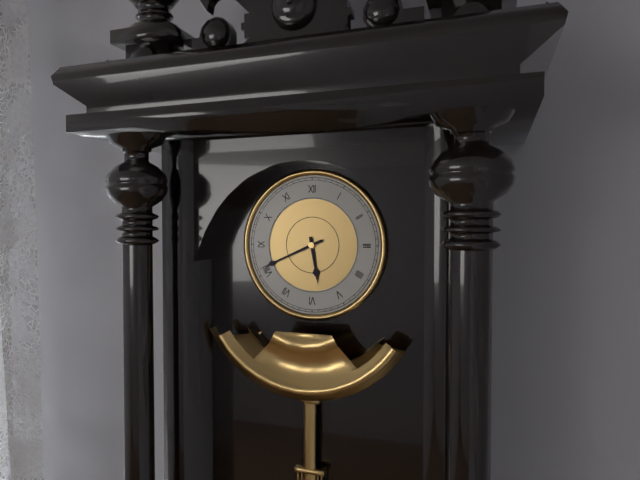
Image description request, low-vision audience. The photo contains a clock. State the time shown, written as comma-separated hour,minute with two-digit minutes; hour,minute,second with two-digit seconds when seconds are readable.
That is 5,41
